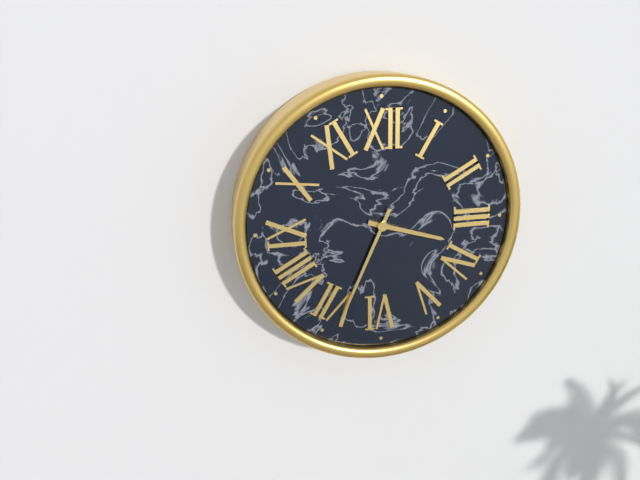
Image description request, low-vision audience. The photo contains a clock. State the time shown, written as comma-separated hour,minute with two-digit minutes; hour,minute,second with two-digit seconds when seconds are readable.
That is 3,34
